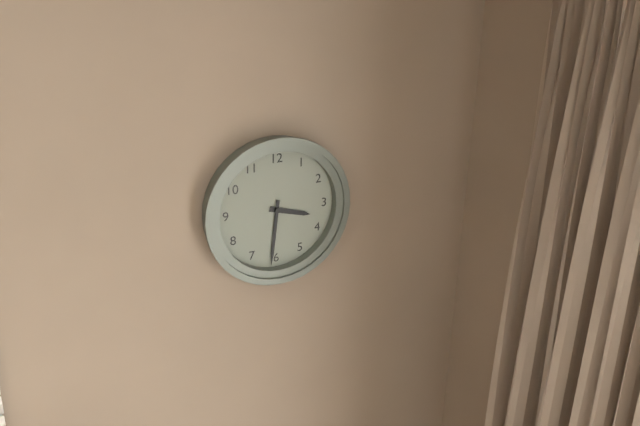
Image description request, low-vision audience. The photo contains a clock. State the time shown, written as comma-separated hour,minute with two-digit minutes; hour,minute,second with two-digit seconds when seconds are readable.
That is 3,31
